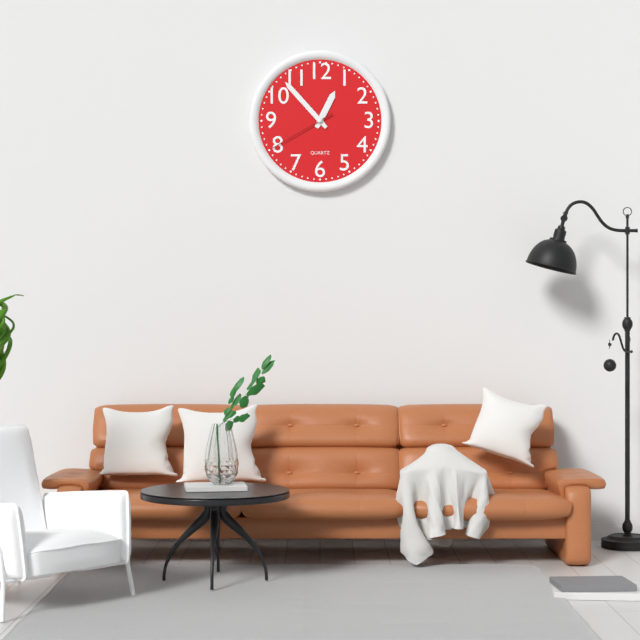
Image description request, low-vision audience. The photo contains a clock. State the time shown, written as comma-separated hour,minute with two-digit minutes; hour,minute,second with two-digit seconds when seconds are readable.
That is 12,53,40
